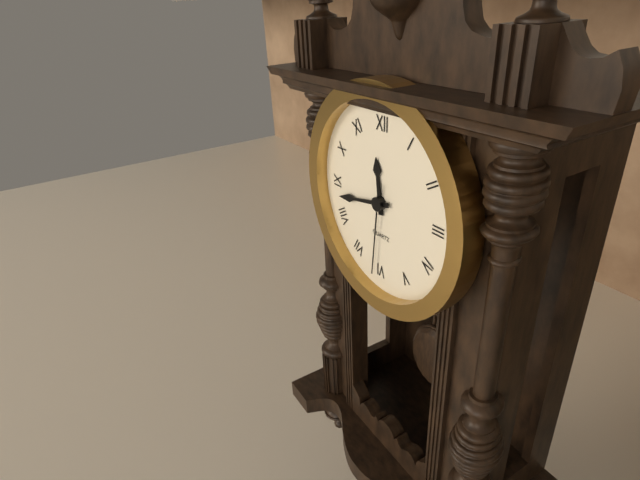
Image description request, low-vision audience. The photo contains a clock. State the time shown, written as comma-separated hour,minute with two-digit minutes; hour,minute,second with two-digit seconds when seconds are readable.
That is 11,43,31
